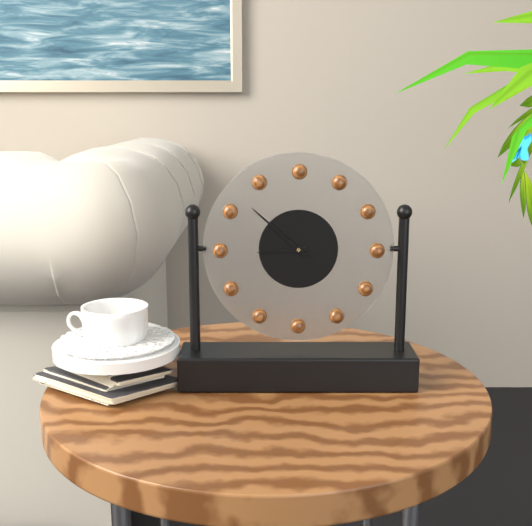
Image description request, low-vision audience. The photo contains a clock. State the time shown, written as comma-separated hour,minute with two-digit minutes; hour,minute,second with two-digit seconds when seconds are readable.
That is 8,52
